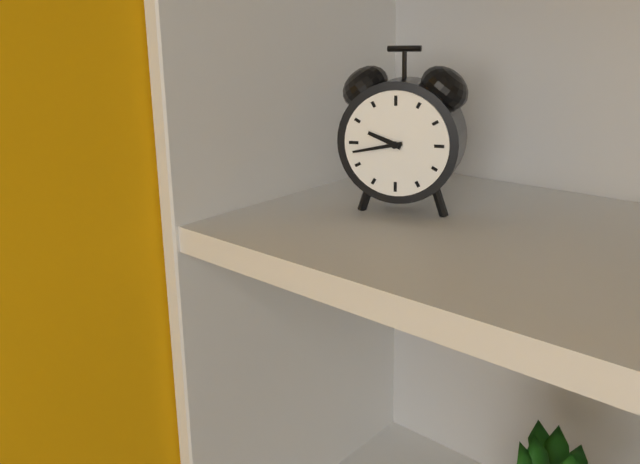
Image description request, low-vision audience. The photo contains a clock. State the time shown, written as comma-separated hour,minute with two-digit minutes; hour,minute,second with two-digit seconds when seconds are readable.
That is 9,43
